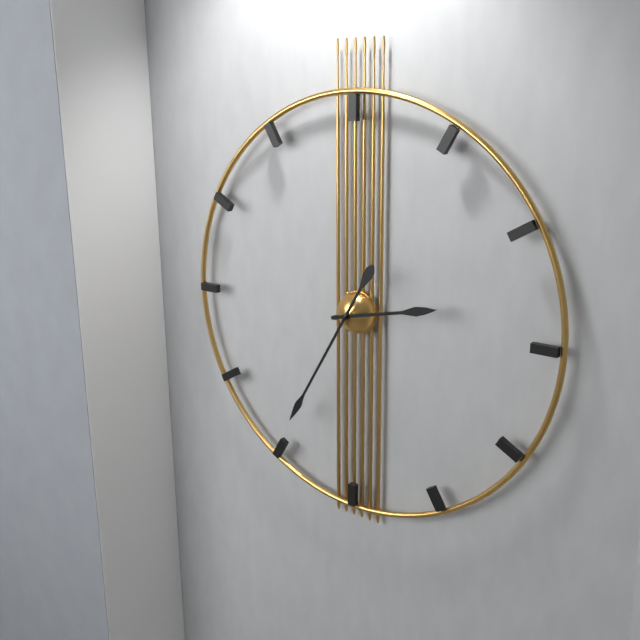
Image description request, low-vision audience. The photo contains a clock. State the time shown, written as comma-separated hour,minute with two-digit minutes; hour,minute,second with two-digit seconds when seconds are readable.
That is 2,35
